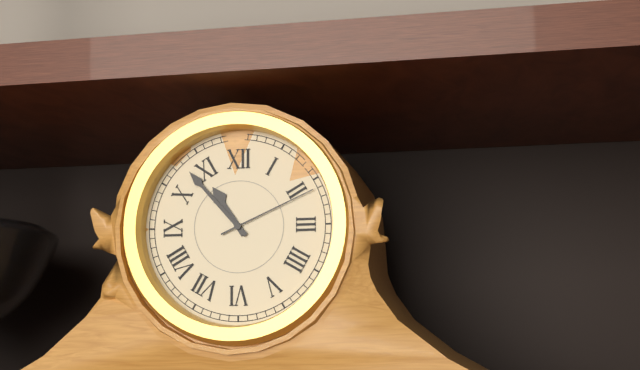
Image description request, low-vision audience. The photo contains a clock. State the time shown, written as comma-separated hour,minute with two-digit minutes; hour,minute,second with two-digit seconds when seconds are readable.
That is 10,53,11
